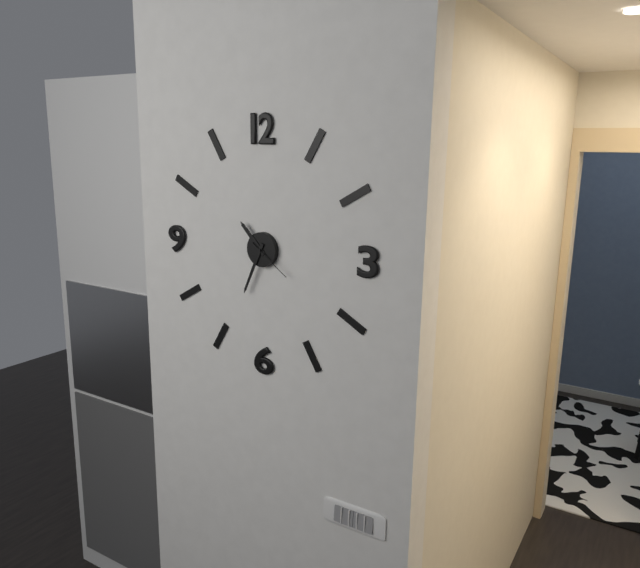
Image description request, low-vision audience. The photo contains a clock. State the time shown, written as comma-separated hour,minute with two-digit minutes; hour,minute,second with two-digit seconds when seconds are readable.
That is 10,34
